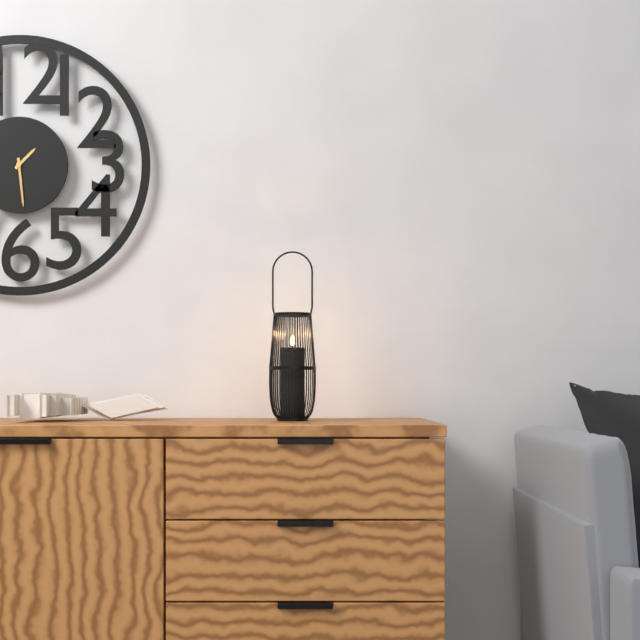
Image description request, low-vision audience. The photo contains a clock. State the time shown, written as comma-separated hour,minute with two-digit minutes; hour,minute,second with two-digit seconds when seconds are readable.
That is 1,29
